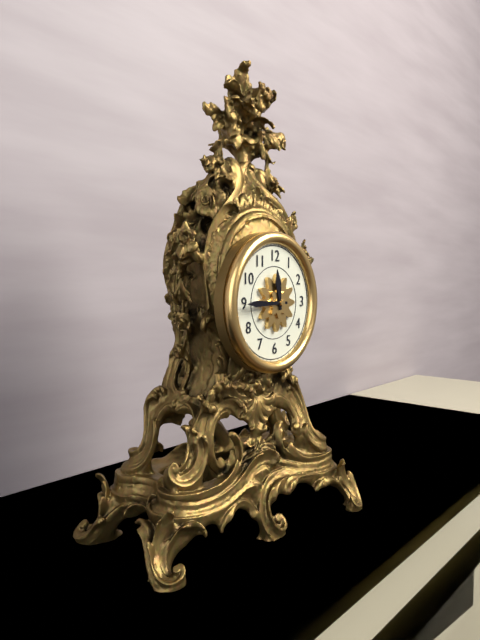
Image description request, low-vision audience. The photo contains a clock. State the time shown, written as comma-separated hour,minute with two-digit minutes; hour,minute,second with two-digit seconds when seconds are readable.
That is 11,45
